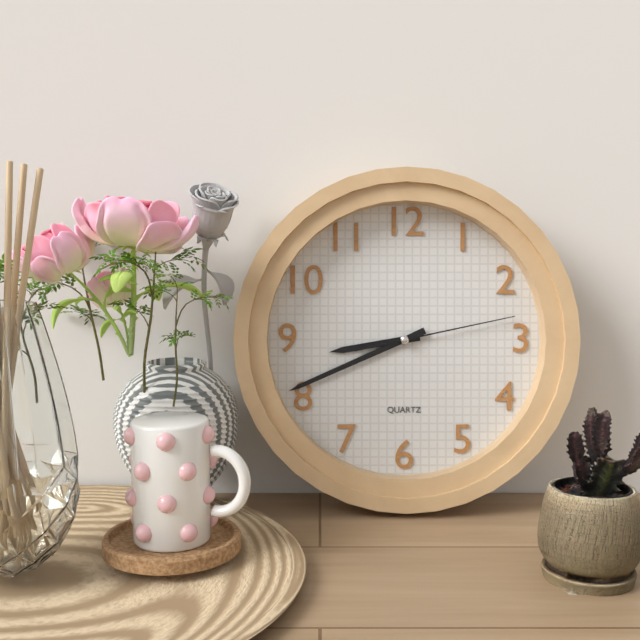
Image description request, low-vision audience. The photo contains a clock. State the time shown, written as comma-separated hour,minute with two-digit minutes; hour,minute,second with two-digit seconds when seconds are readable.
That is 8,41,13
